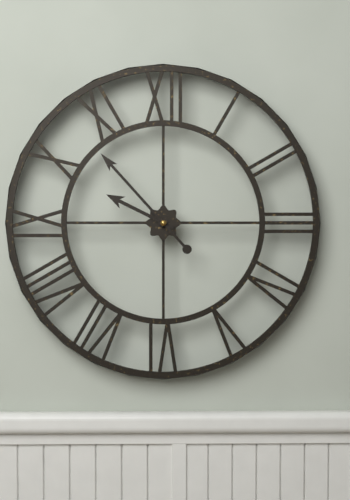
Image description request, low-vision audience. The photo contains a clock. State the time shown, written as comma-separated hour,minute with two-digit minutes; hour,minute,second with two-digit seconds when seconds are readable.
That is 9,53
